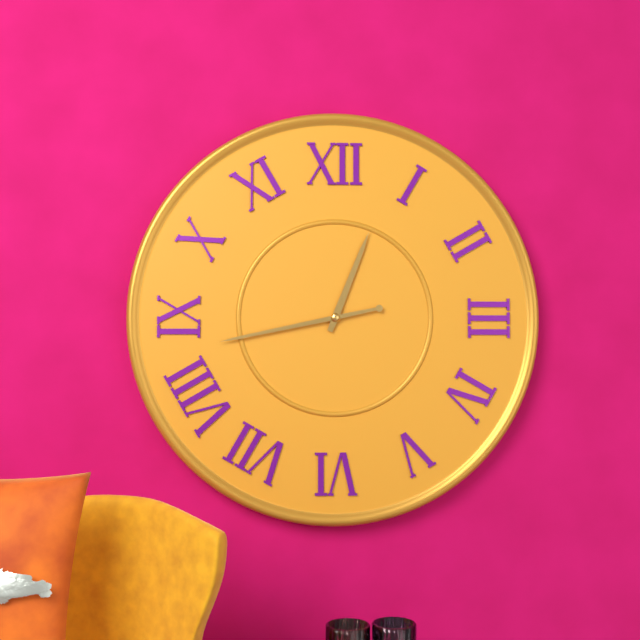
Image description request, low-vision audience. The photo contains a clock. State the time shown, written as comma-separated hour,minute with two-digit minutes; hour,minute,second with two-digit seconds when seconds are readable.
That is 12,43
